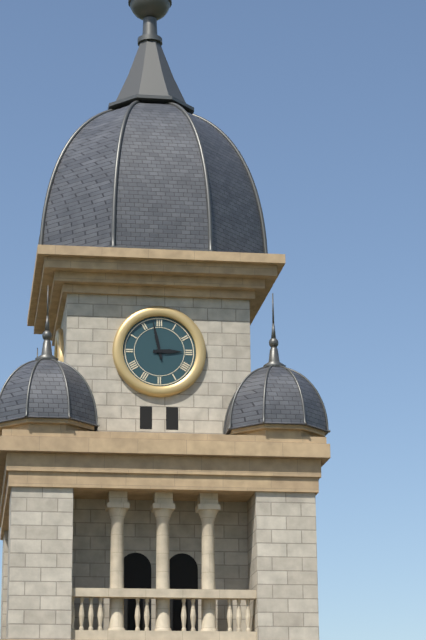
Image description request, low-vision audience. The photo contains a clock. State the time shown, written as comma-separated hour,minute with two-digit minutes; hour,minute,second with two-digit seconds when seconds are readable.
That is 2,58
